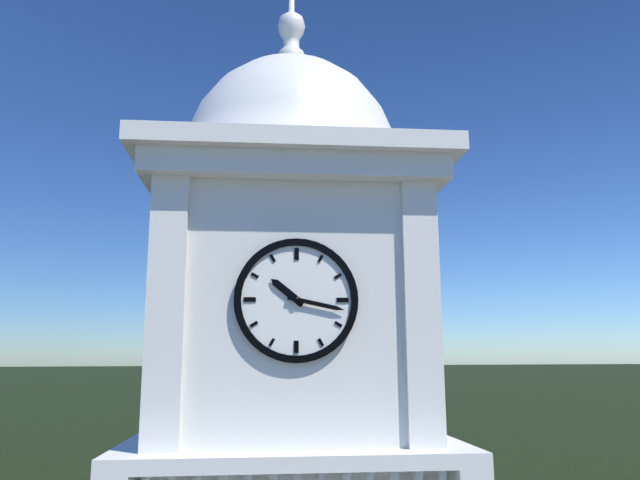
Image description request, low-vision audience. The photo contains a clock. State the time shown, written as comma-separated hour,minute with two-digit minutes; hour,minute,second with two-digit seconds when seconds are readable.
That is 10,17
